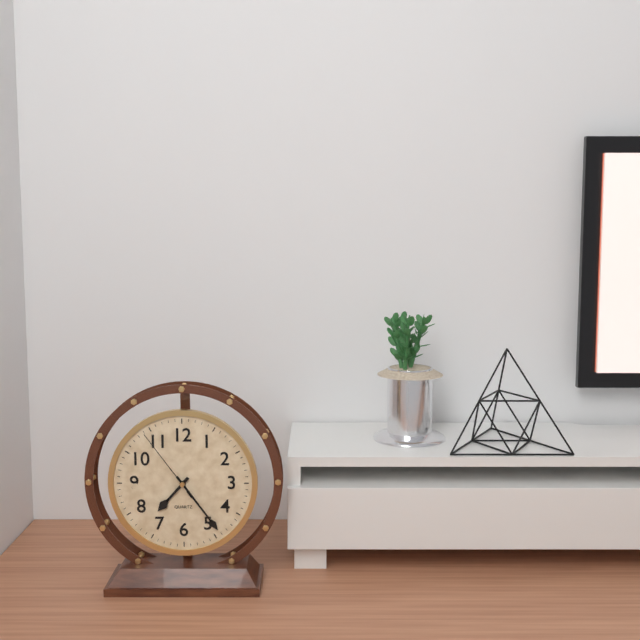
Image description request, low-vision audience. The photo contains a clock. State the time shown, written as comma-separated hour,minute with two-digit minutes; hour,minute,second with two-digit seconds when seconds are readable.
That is 7,24,54
